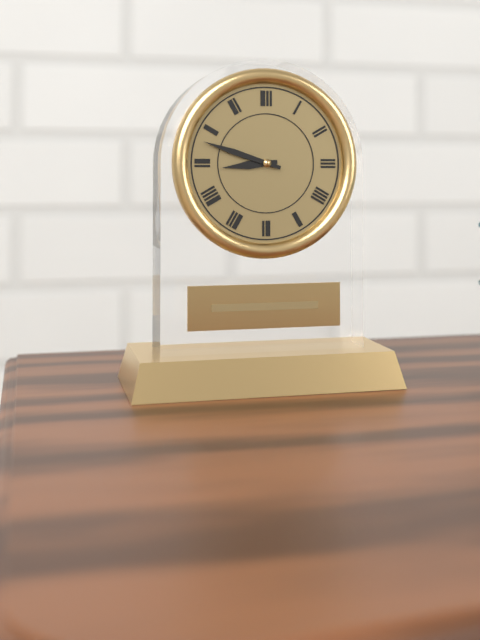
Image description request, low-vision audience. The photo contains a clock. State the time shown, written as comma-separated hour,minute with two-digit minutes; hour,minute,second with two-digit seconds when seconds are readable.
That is 8,48
